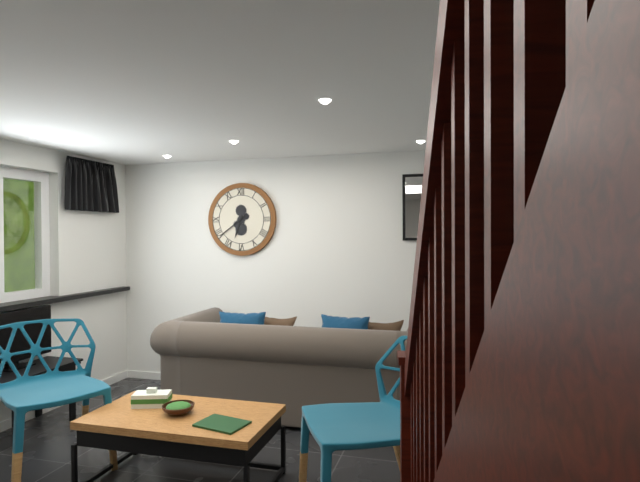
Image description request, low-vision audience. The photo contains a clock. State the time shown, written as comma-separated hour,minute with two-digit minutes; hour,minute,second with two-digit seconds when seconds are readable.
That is 6,39
